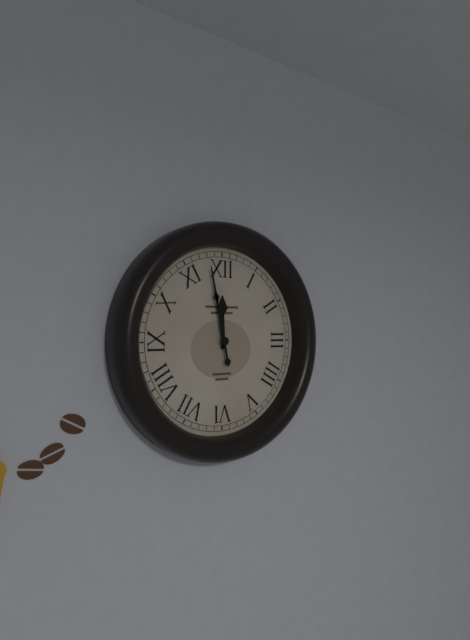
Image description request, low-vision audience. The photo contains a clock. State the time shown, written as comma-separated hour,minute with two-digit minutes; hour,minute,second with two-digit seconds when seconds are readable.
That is 11,58
